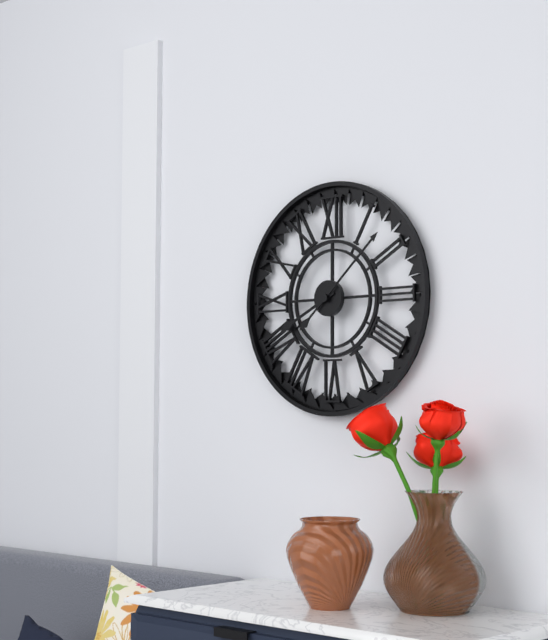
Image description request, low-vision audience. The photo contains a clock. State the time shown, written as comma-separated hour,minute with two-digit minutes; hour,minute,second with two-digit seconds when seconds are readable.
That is 8,08
